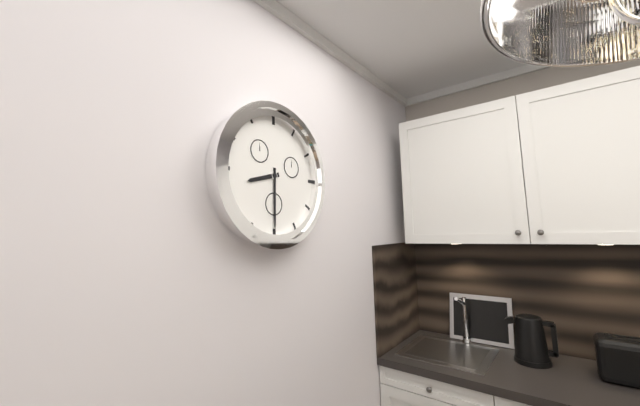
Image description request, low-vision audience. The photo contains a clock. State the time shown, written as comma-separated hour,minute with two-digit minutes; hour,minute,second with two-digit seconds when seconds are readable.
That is 8,30
